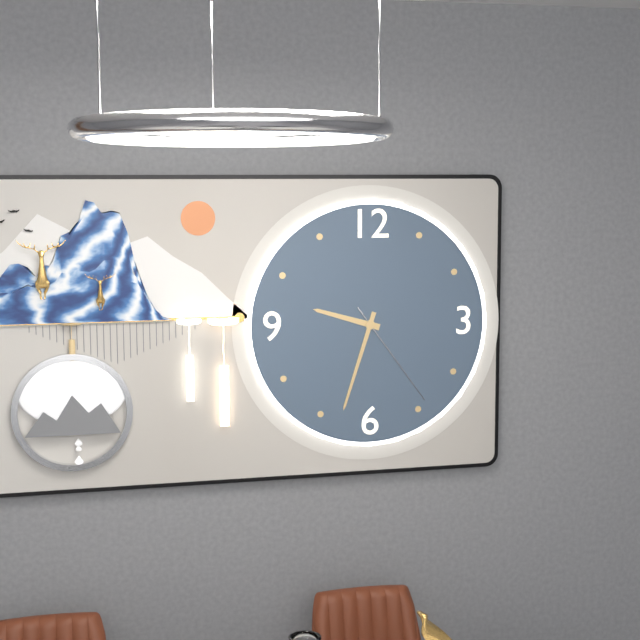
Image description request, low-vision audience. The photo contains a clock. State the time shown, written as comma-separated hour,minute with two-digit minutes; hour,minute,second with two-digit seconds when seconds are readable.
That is 9,33,24
